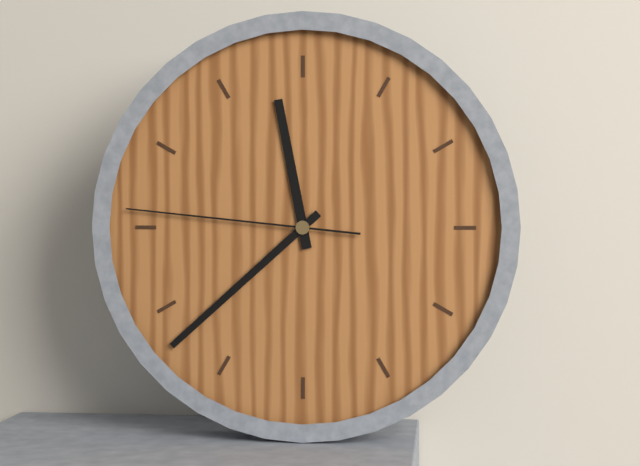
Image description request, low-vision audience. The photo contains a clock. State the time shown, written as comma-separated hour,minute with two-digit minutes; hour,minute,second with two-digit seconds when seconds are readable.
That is 11,38,46
